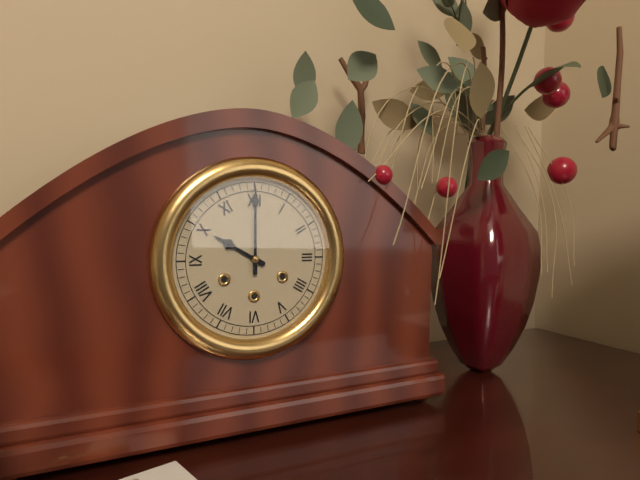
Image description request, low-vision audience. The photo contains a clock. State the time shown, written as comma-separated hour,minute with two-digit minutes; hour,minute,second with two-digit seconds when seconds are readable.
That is 10,00
